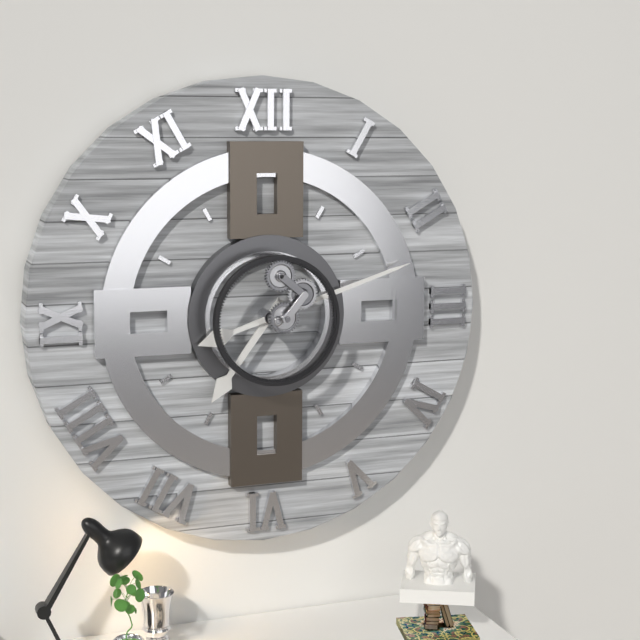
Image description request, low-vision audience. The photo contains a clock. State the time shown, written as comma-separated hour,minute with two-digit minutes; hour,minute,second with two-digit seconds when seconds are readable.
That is 7,12
